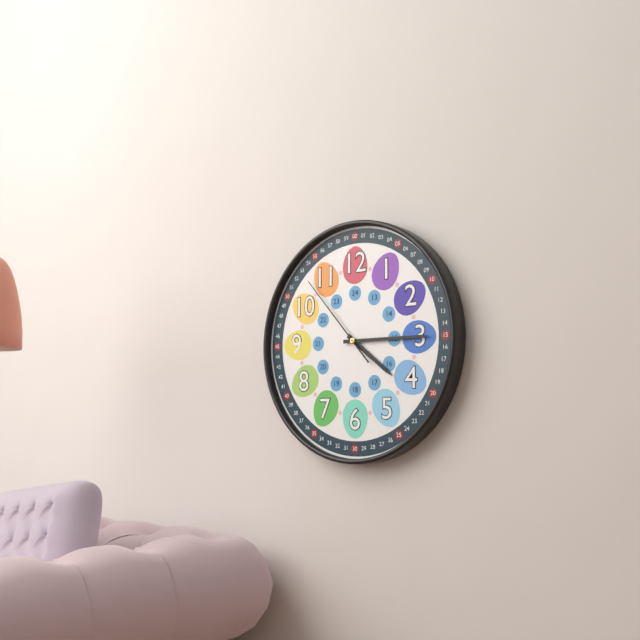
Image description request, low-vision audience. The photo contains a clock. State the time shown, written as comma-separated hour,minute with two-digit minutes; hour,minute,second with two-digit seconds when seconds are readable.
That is 4,15,53
